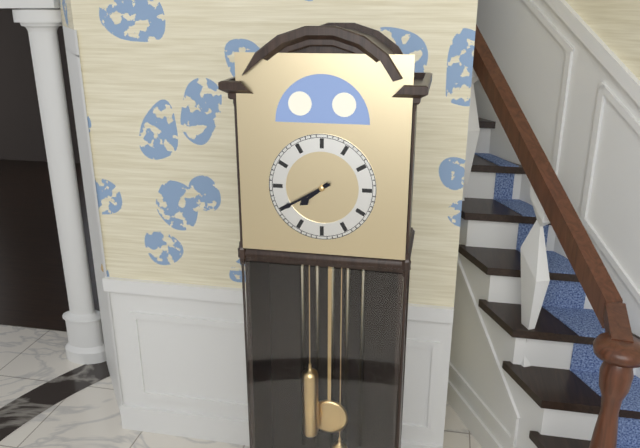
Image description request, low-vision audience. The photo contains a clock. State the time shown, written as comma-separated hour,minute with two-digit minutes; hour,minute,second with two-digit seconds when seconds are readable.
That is 7,40
